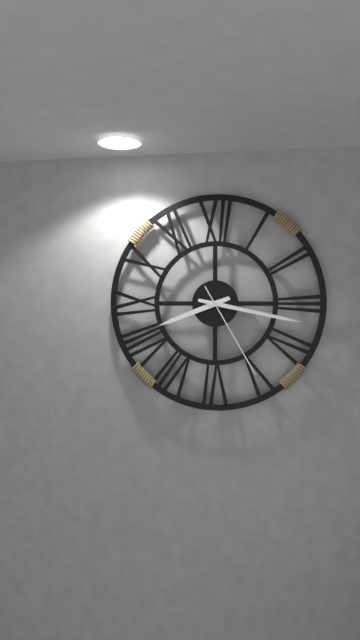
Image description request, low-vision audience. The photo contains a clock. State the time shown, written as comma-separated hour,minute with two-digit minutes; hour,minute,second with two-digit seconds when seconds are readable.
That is 8,17,25
